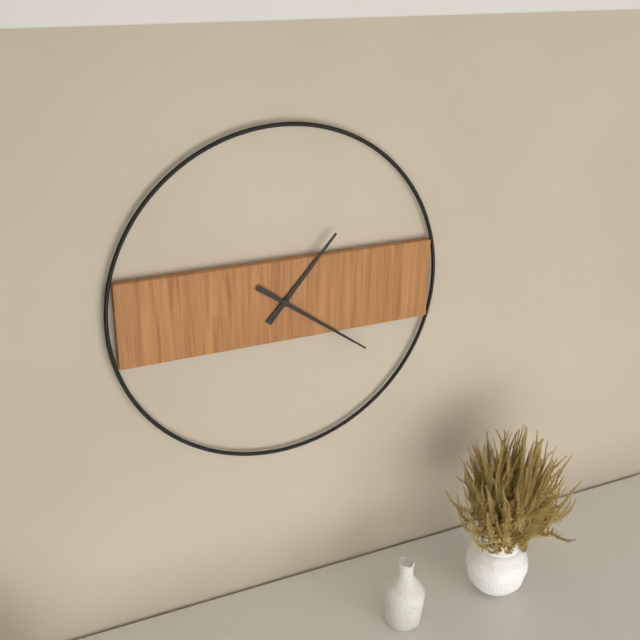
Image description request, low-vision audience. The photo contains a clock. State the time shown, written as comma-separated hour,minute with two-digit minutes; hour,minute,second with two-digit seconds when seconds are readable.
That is 1,21
